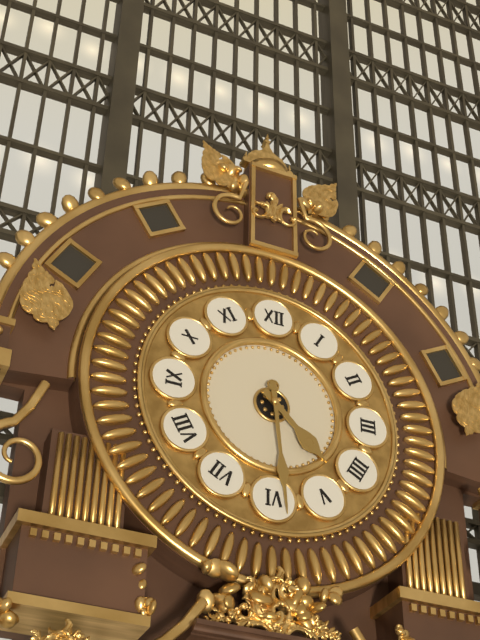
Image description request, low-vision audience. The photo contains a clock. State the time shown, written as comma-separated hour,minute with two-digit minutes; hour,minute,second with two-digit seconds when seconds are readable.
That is 4,29
